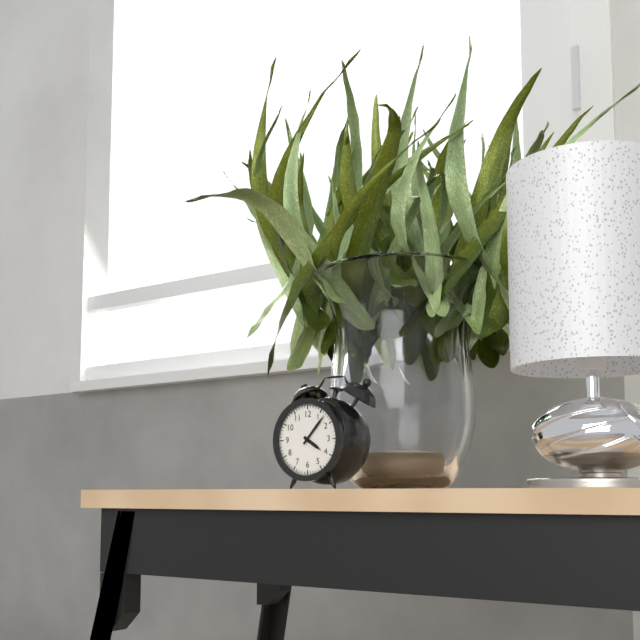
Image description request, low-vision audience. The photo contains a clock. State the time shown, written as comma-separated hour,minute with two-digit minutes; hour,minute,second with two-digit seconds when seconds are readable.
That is 4,07
